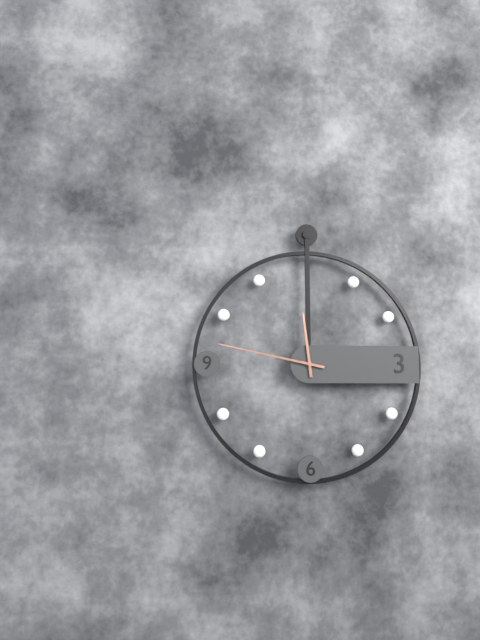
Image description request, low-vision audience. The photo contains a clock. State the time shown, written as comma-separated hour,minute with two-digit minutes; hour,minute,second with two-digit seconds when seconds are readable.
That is 11,47
